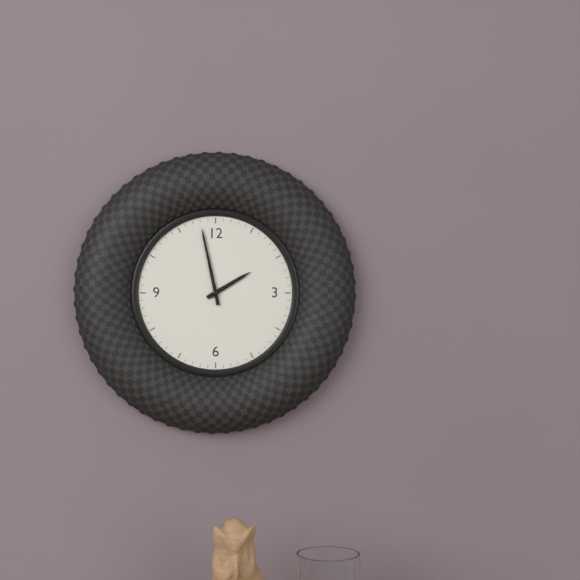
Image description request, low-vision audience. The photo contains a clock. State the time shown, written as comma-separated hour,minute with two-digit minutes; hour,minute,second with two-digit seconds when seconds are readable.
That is 1,58
